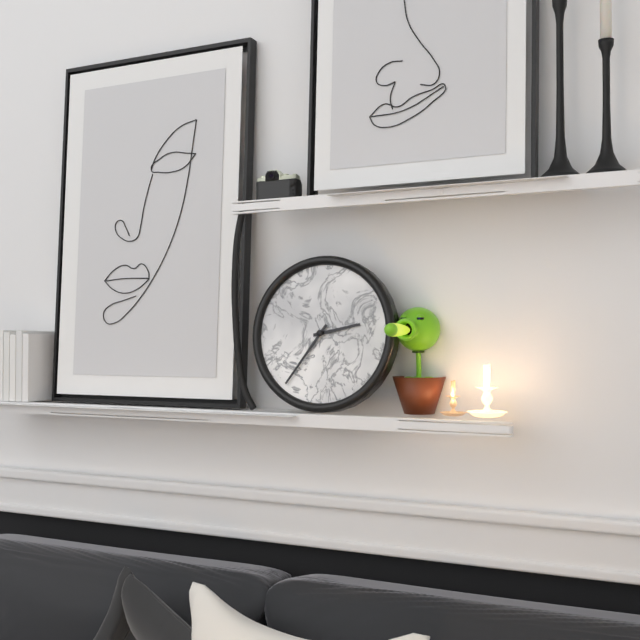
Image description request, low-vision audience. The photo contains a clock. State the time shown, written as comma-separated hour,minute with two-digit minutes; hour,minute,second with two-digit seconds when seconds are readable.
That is 2,36
